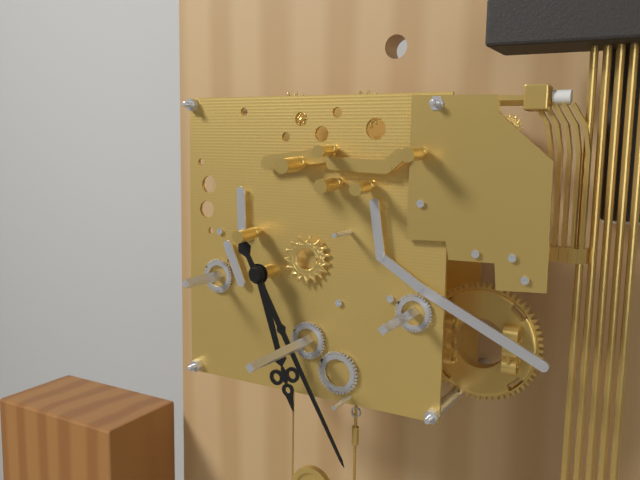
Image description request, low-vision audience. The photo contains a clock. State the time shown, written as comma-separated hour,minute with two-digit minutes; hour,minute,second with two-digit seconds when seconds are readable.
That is 5,25
